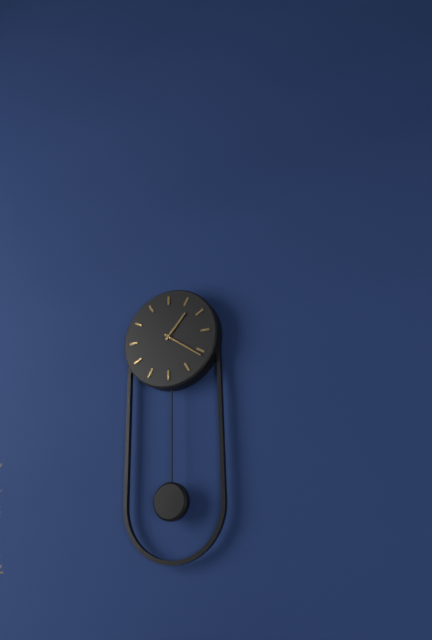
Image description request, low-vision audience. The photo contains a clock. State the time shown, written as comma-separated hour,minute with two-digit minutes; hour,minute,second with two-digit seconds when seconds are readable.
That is 1,21
